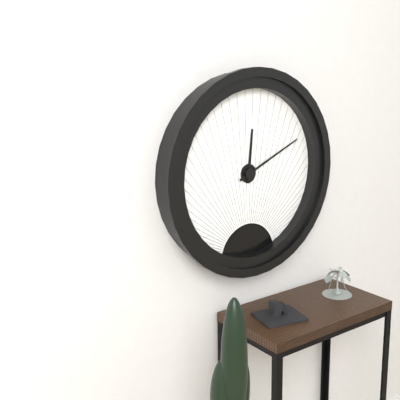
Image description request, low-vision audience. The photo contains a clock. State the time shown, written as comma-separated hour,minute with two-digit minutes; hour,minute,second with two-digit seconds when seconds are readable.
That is 12,11
